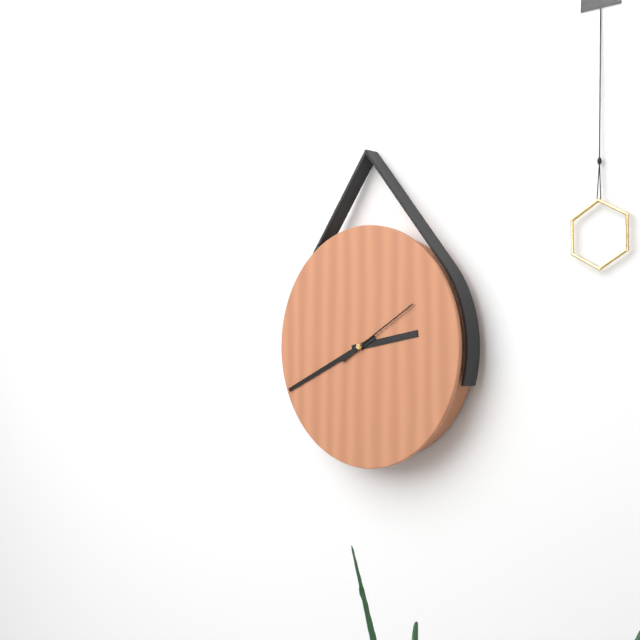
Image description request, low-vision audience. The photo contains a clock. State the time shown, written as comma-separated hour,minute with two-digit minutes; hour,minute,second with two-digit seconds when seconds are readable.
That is 2,41,10
